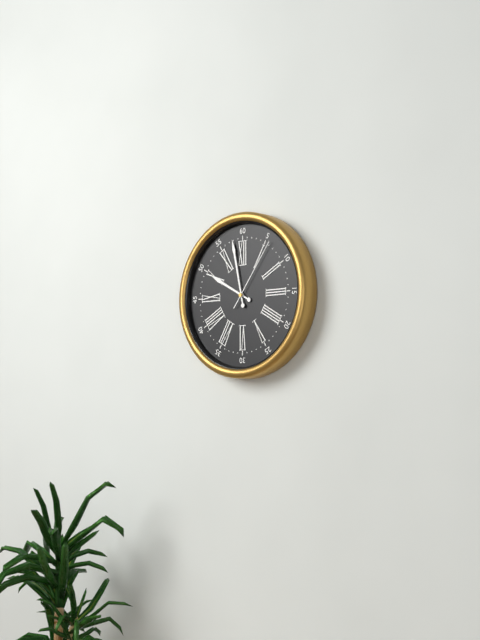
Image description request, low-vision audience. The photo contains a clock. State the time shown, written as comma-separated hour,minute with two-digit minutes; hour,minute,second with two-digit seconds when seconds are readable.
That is 9,58,06
